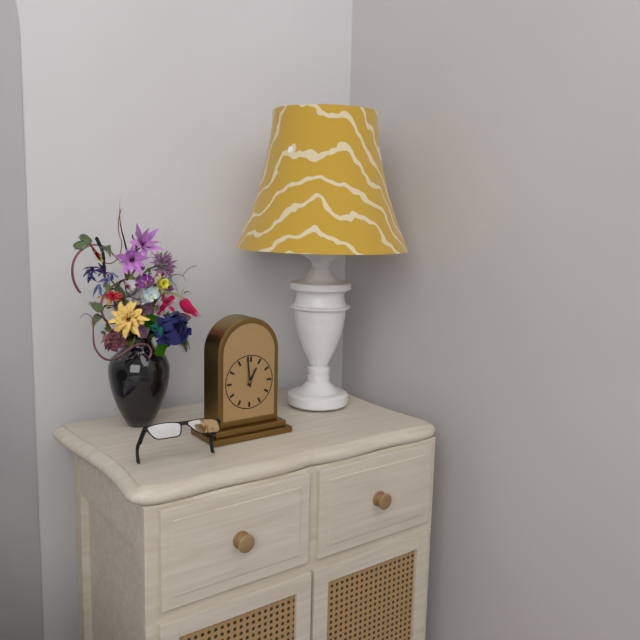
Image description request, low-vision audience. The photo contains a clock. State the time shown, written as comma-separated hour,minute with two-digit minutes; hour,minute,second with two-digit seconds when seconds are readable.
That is 12,59
